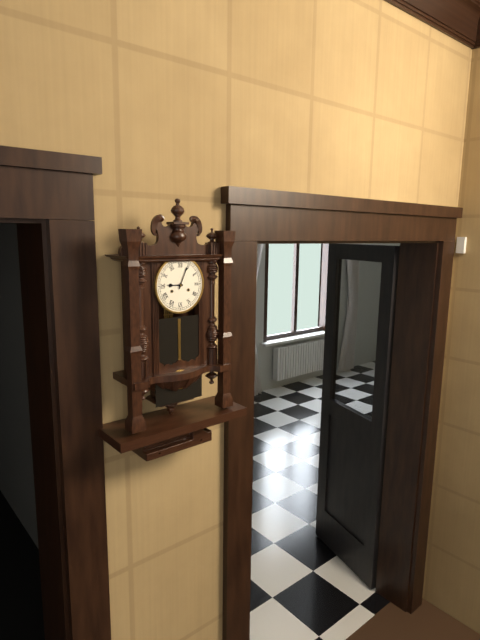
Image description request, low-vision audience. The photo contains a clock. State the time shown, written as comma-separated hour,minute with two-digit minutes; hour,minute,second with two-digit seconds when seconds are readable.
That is 9,04
